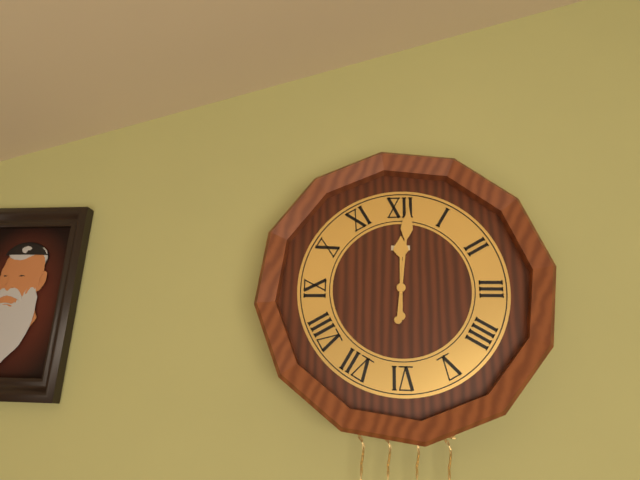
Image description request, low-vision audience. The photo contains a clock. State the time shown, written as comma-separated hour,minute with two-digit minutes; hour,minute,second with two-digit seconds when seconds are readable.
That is 12,01
